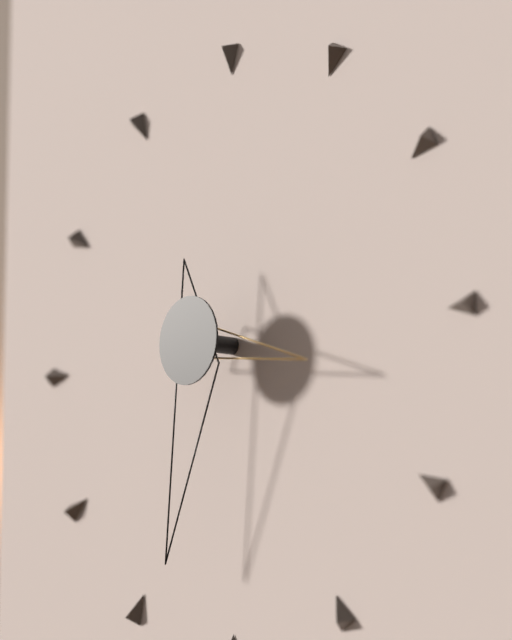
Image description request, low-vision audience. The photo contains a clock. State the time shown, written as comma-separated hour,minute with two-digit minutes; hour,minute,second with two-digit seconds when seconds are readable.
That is 3,32
